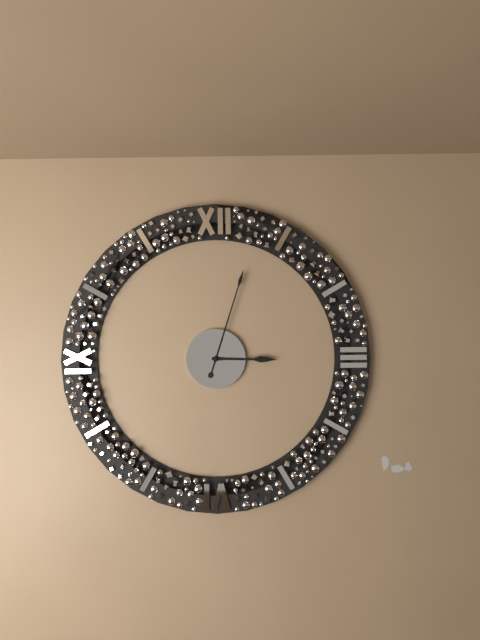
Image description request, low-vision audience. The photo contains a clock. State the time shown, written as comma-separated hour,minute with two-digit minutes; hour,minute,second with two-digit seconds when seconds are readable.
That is 3,03
